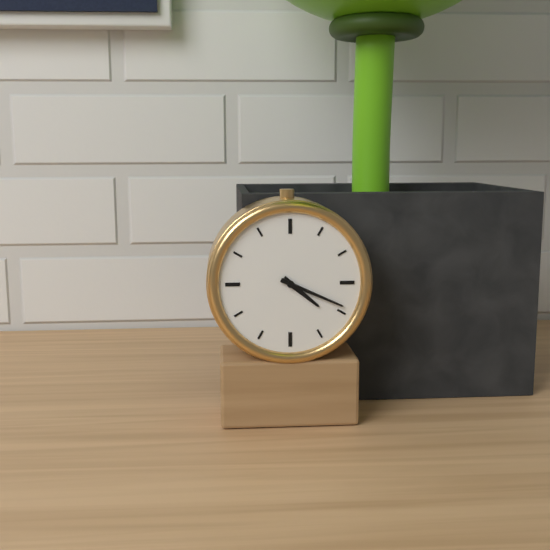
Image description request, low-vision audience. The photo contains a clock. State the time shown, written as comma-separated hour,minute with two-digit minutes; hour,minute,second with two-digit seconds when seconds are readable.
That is 4,19
